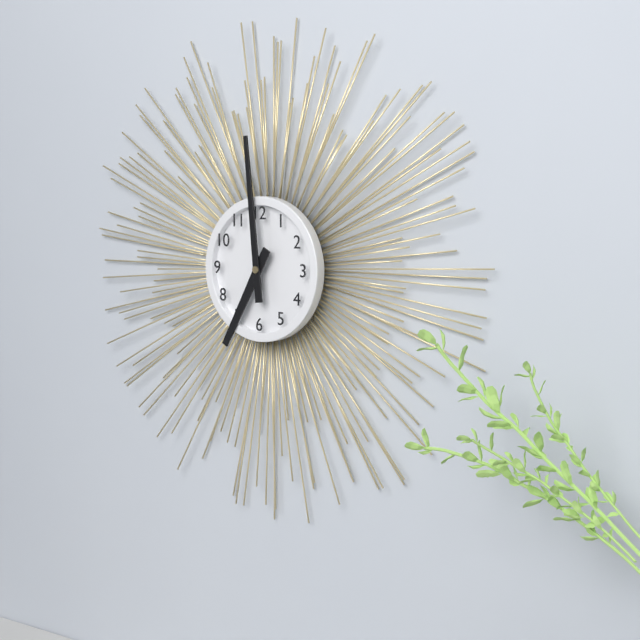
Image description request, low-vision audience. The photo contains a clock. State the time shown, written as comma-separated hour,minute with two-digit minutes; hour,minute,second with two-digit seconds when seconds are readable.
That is 6,59
